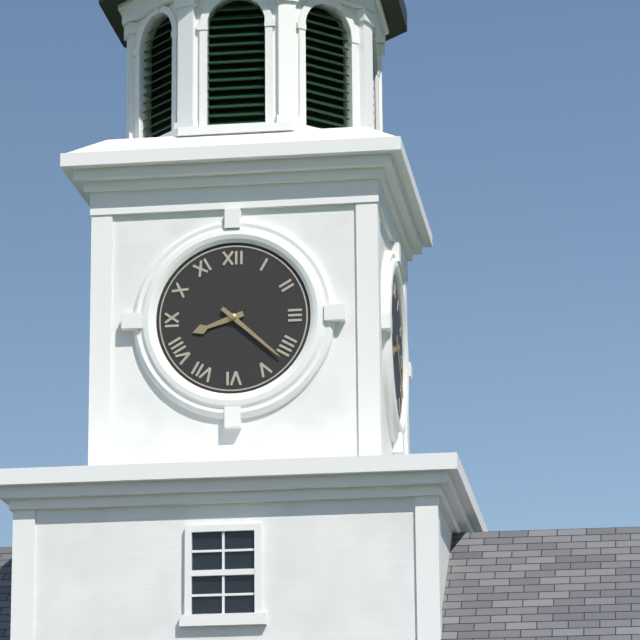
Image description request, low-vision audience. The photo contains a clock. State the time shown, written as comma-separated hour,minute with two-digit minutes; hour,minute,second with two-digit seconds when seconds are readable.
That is 8,22
